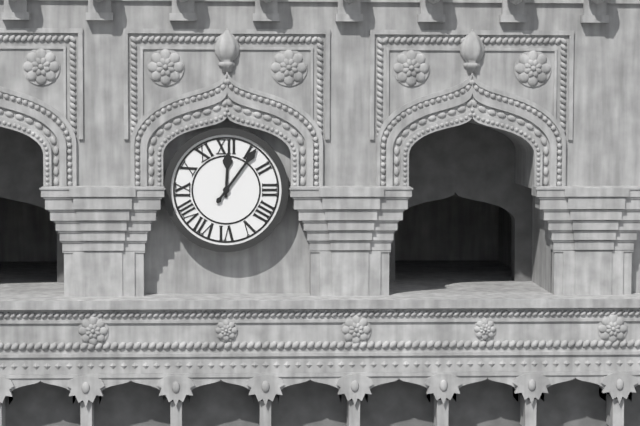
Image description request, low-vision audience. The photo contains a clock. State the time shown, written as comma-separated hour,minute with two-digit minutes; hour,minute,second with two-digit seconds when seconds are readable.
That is 12,06
